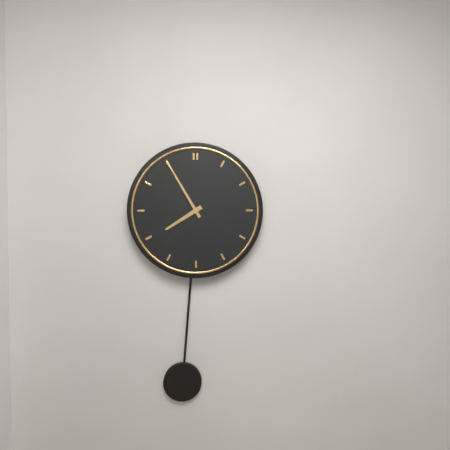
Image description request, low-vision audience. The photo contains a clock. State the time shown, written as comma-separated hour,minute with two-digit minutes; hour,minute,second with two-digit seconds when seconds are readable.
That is 7,55
